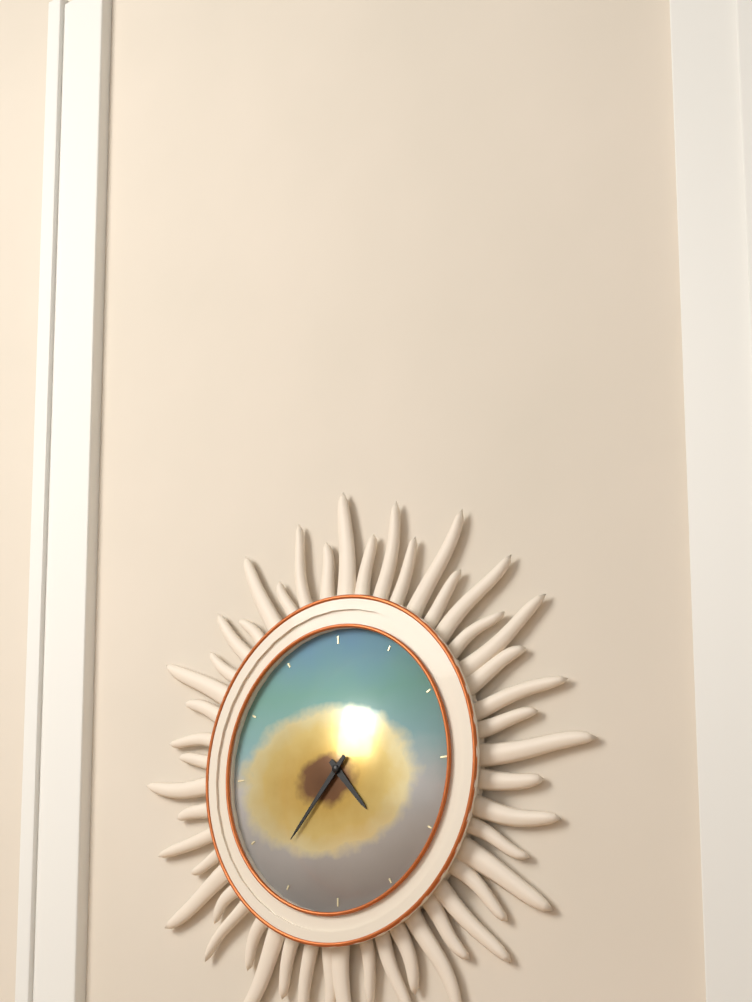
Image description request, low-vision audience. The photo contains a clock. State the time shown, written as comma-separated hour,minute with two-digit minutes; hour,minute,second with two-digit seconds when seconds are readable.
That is 4,37
